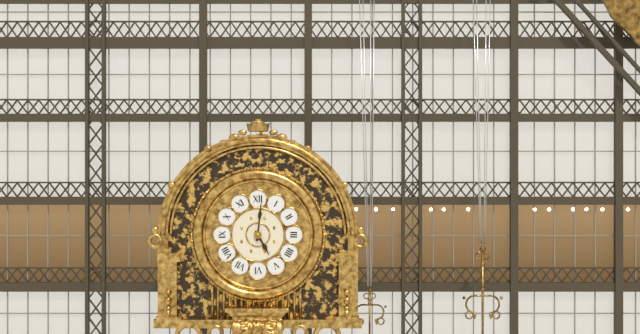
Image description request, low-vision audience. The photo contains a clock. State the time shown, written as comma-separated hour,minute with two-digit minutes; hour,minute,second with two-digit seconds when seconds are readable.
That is 5,01
